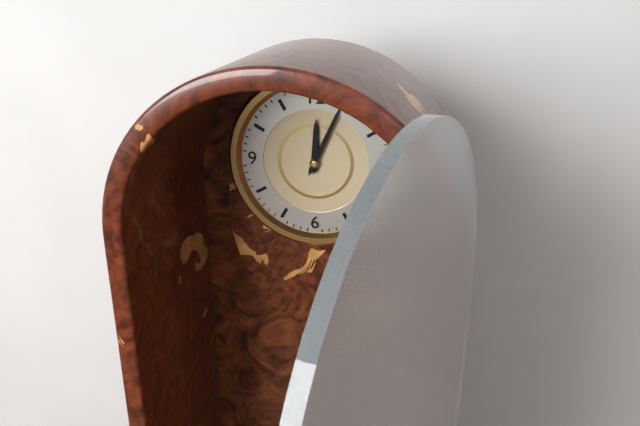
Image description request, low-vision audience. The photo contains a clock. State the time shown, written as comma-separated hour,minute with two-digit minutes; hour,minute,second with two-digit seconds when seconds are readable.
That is 12,04
